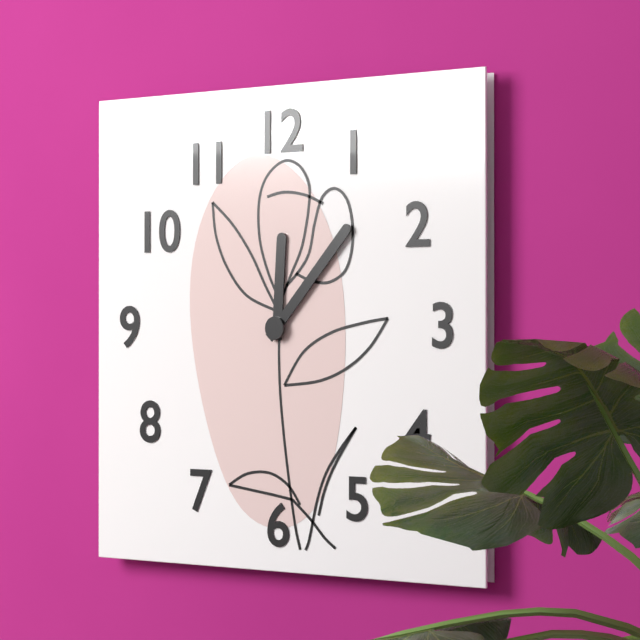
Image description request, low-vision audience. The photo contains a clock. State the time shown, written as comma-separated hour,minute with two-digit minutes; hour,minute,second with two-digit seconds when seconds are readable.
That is 12,07
